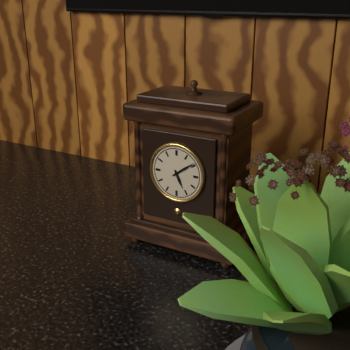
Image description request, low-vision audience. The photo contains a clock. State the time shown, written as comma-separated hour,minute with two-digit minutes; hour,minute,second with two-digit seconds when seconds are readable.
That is 5,09
